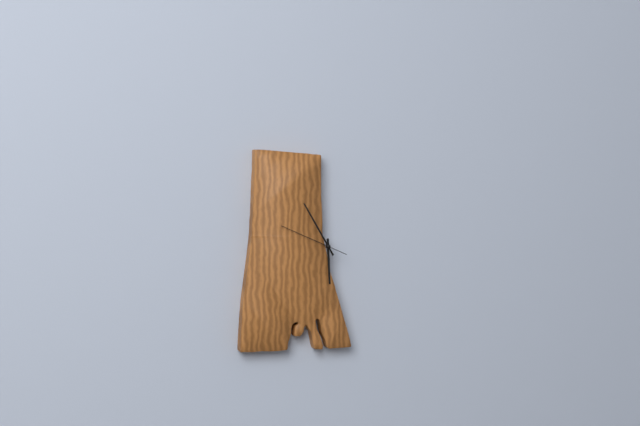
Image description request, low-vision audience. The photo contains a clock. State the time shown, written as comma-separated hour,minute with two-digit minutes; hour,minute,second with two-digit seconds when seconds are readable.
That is 5,55,49
